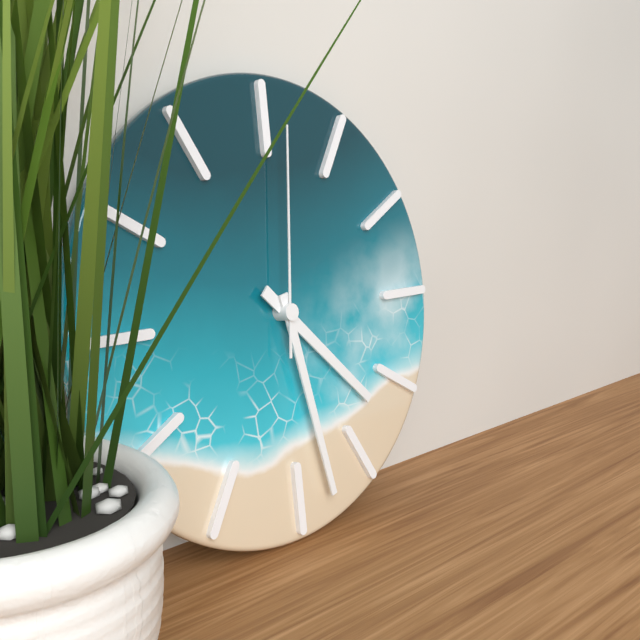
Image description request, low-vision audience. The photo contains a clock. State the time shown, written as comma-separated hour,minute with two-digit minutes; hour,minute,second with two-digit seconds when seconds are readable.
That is 4,28,01
